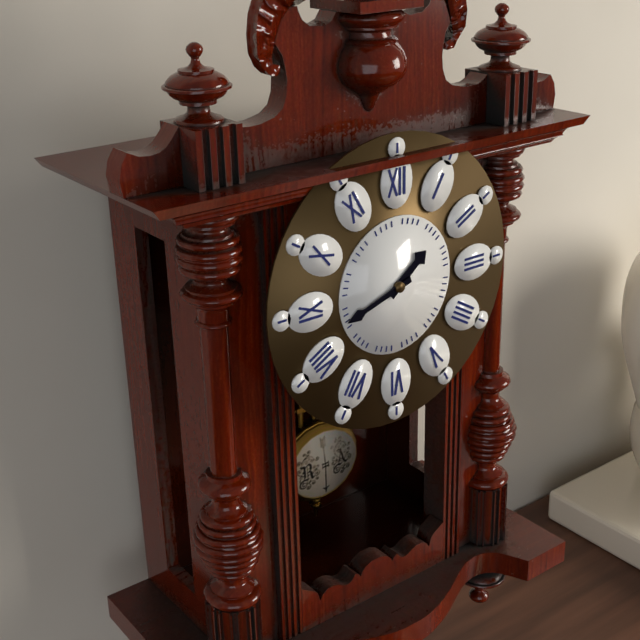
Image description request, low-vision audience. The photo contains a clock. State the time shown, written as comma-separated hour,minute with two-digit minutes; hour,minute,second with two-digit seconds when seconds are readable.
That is 1,42
